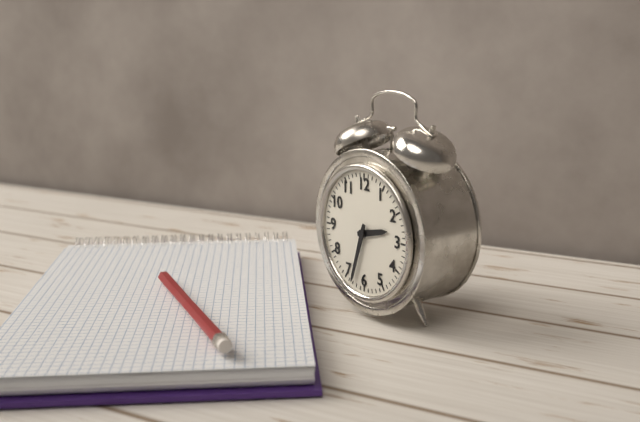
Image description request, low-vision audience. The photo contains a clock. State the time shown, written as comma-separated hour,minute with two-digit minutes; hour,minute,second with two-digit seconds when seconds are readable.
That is 2,33
